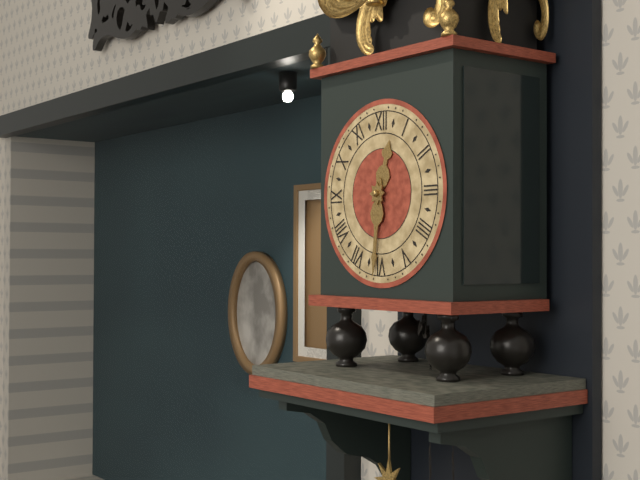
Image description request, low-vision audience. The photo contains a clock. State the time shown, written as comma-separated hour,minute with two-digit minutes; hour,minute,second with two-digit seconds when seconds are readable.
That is 12,31
